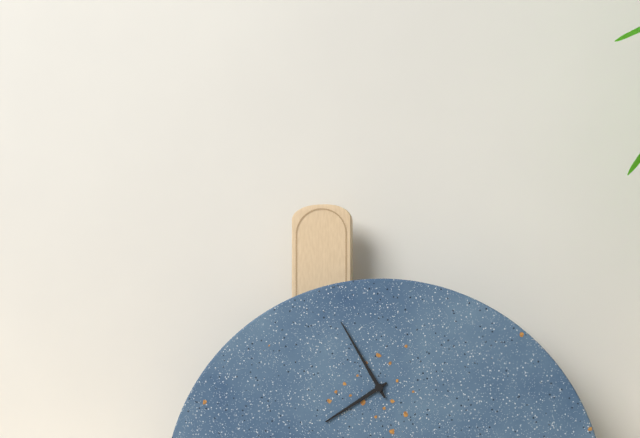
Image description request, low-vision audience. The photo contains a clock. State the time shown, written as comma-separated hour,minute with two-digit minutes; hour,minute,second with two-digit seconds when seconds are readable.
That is 7,55
